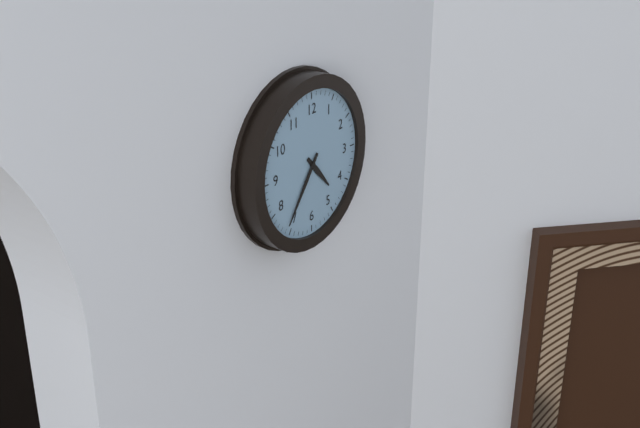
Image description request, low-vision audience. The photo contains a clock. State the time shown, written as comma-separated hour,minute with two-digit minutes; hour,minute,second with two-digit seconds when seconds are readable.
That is 4,36
